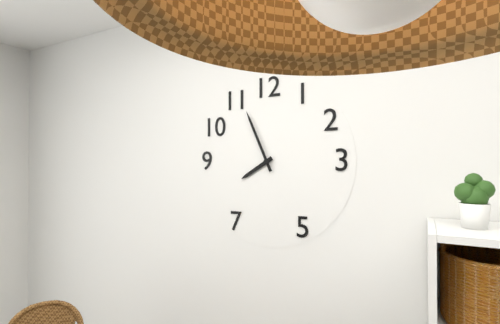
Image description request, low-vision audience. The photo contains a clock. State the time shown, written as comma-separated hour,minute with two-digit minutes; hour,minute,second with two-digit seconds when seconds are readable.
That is 7,56
